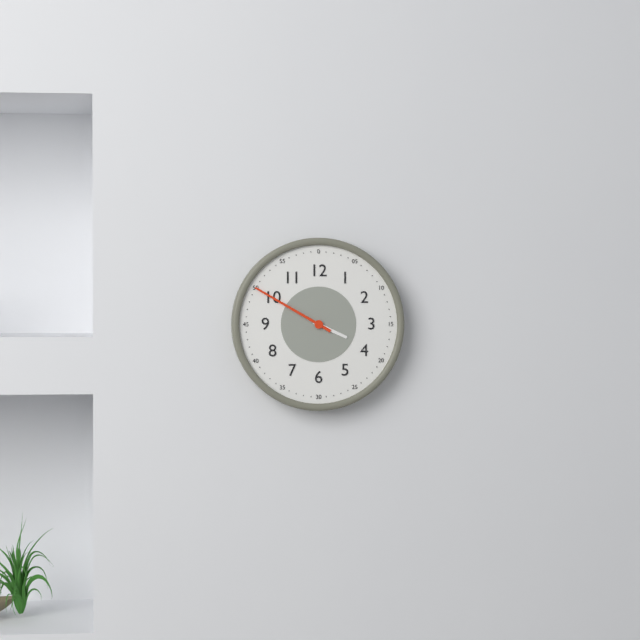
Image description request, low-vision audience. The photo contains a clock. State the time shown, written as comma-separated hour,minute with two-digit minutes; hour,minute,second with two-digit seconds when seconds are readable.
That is 3,50
